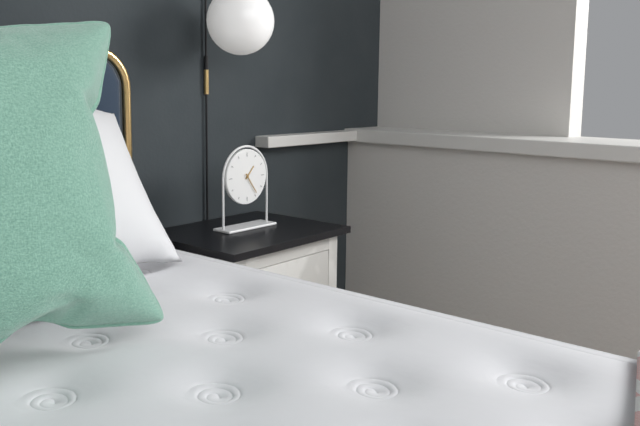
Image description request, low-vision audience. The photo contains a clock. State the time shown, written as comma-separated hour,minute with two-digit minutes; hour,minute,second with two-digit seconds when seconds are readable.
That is 1,24
